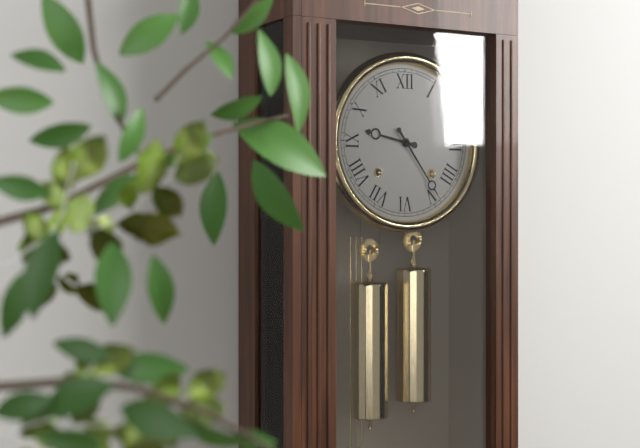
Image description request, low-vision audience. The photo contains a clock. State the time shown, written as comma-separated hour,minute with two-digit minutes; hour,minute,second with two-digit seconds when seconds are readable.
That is 9,24
